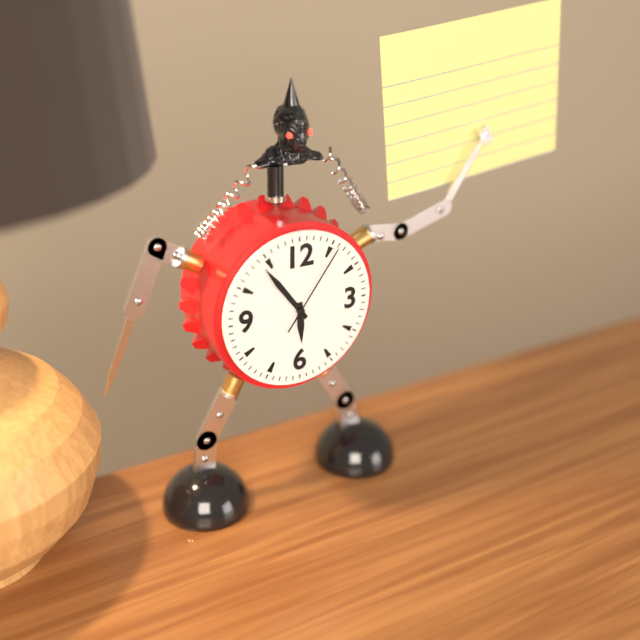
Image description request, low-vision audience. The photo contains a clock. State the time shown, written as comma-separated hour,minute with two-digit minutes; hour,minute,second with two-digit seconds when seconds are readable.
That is 5,54,06
